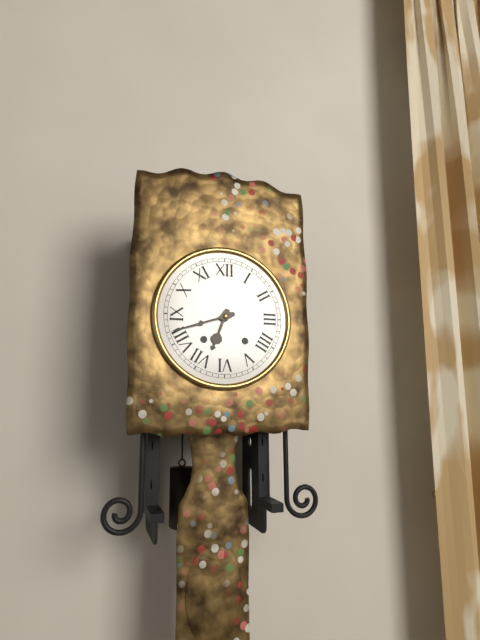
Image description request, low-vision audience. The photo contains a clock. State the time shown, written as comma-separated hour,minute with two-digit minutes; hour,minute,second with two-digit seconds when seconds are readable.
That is 6,42
